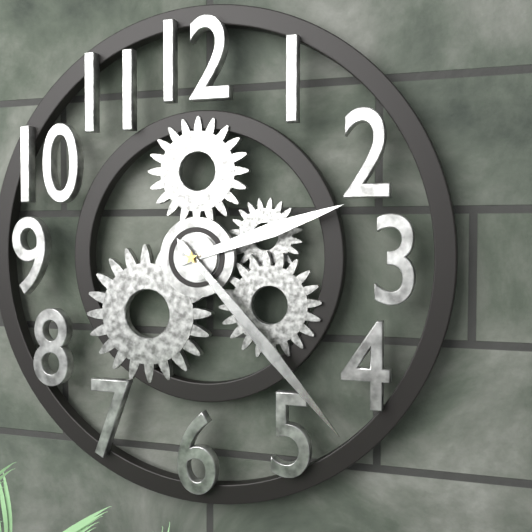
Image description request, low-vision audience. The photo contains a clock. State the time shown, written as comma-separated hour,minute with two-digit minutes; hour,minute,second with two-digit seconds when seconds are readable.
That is 2,23
